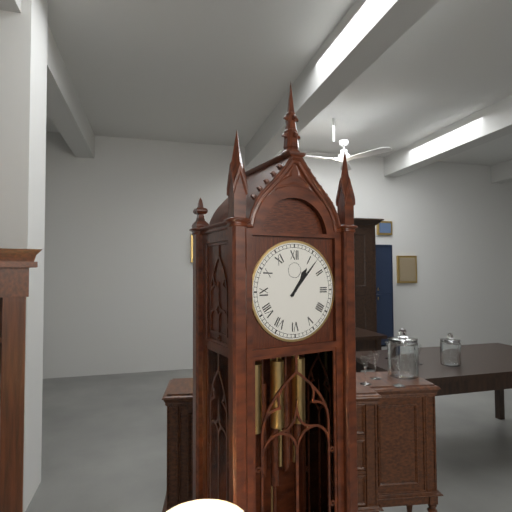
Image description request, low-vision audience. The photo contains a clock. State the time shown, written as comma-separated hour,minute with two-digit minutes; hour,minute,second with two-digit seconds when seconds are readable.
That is 1,07
